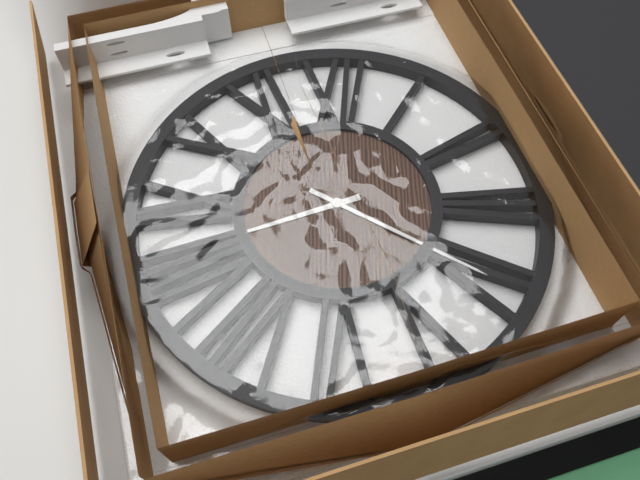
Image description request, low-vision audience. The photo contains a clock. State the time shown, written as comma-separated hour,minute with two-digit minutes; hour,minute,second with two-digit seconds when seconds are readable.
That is 8,20
